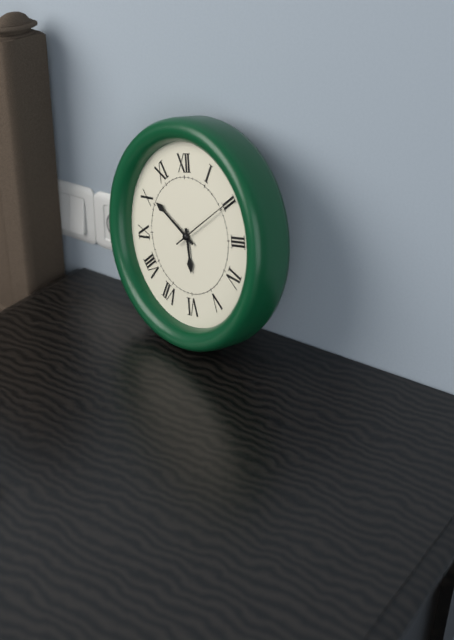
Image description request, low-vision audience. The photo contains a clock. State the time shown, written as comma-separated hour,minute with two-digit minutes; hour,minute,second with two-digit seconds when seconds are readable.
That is 5,51,10
